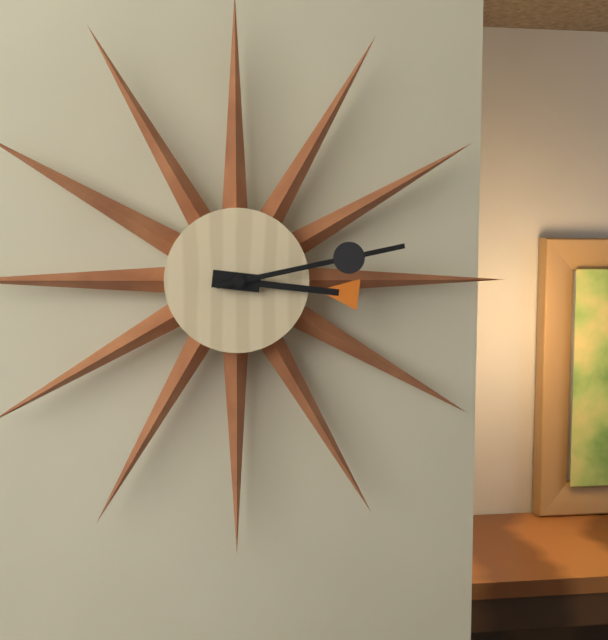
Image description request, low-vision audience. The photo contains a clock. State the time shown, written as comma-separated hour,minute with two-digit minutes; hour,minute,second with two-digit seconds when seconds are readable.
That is 3,13
